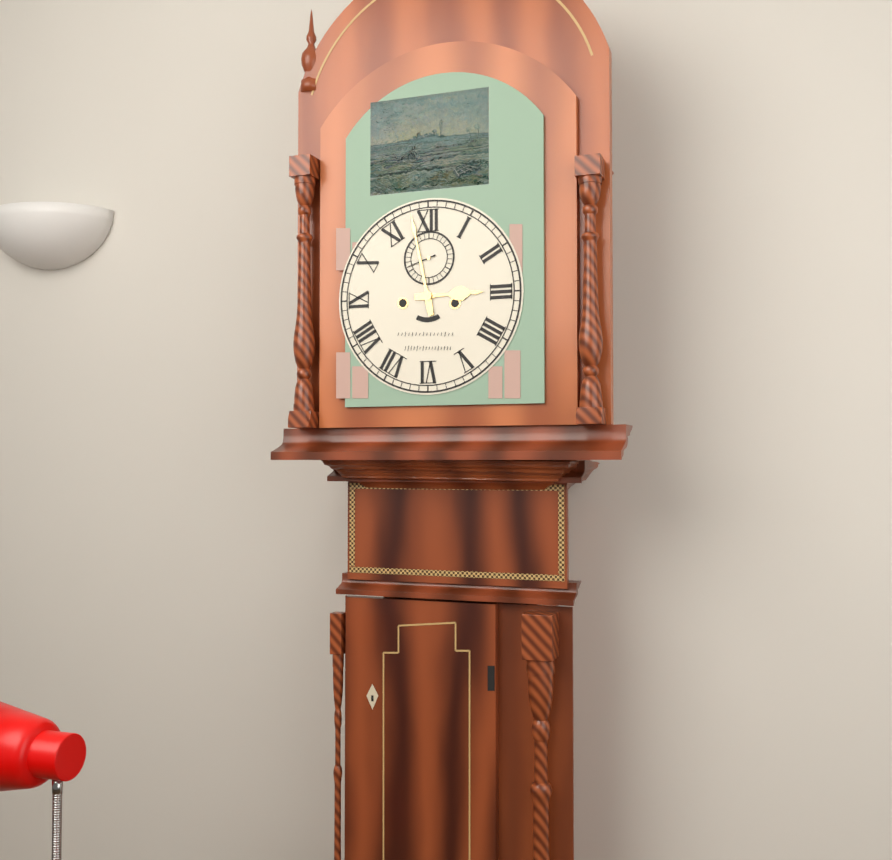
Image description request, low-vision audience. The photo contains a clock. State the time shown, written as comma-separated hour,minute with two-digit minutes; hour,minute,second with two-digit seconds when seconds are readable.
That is 2,58
